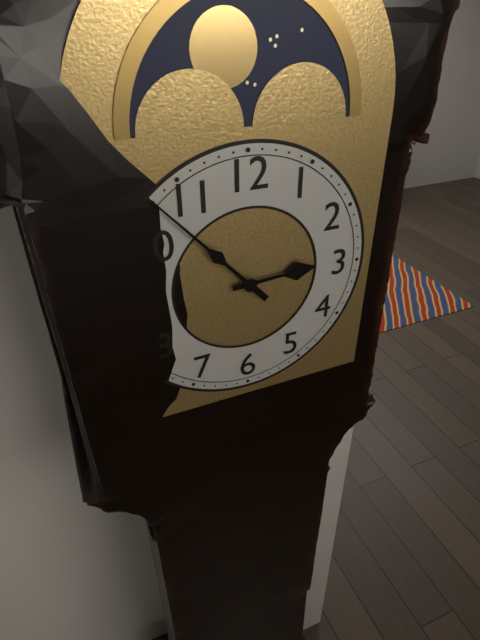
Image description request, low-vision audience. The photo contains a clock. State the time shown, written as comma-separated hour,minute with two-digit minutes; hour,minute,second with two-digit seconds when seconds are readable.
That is 2,53
